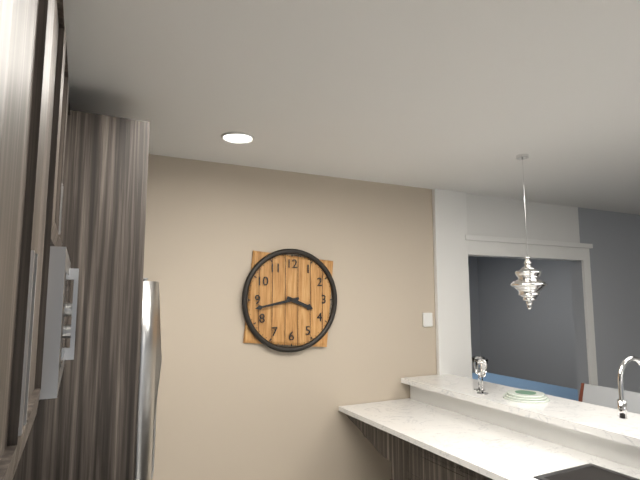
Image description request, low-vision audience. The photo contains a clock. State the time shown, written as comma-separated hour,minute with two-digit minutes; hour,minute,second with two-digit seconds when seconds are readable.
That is 3,43
